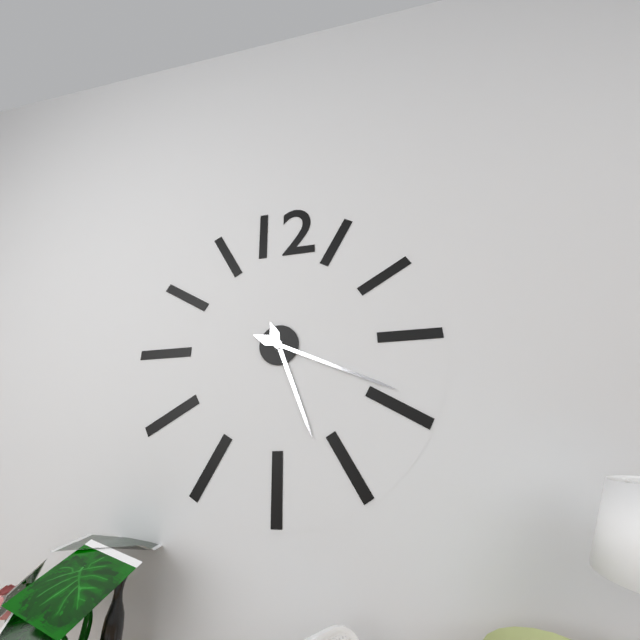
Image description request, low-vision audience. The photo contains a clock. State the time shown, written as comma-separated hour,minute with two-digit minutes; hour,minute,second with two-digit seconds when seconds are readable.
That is 5,19
